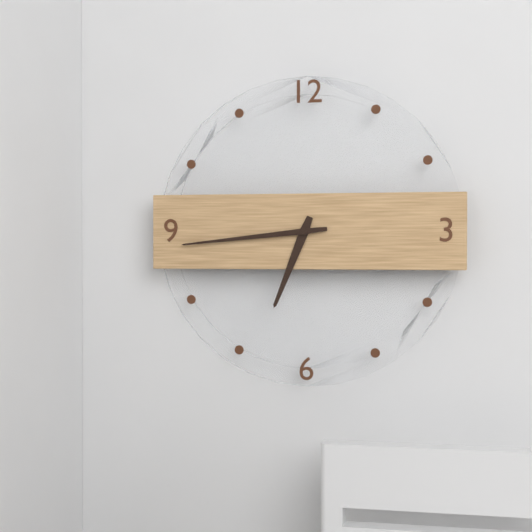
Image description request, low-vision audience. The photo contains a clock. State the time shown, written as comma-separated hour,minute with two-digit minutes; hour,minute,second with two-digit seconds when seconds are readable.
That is 6,44
